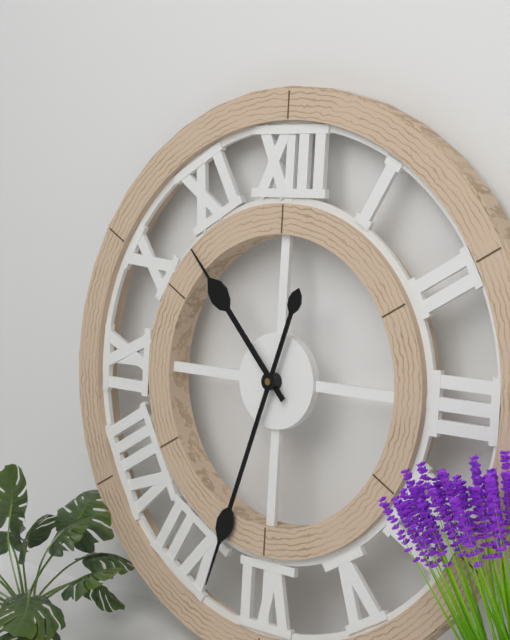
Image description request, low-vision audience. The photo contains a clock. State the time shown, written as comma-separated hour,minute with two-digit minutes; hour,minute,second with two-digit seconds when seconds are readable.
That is 10,33
